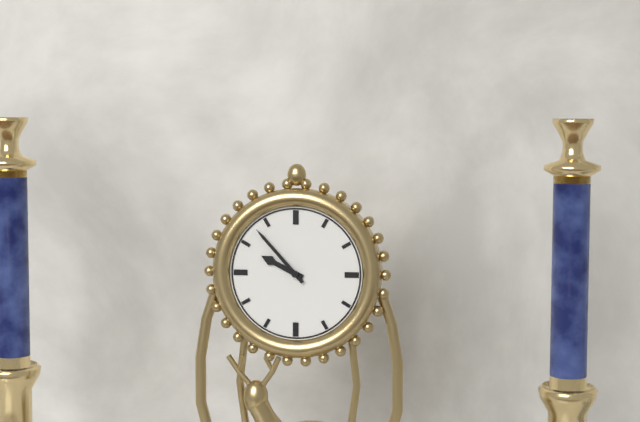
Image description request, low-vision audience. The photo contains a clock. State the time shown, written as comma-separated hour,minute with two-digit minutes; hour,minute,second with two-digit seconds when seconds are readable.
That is 9,53
